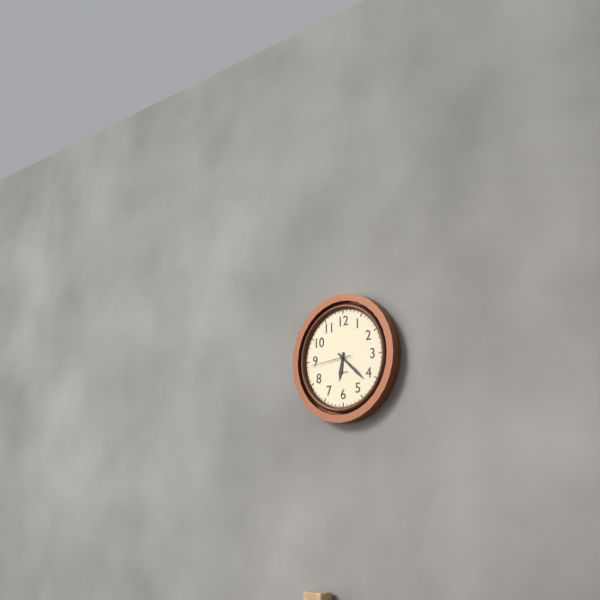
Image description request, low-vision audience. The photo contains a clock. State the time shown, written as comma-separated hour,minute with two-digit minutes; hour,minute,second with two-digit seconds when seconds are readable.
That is 6,22
